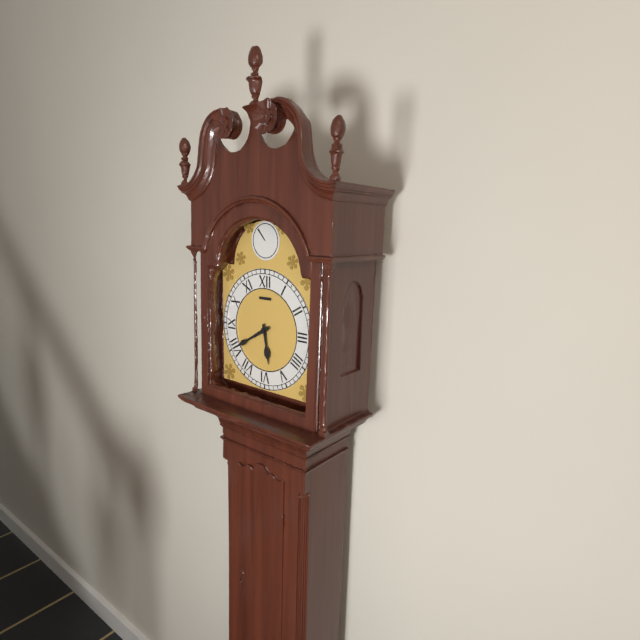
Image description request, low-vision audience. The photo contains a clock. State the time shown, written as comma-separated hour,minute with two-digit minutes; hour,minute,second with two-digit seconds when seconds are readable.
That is 5,40
